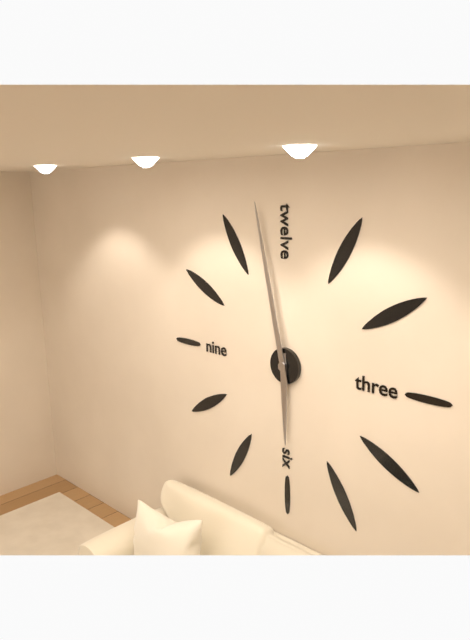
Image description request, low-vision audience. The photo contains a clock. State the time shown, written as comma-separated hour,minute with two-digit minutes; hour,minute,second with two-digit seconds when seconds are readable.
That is 5,58
